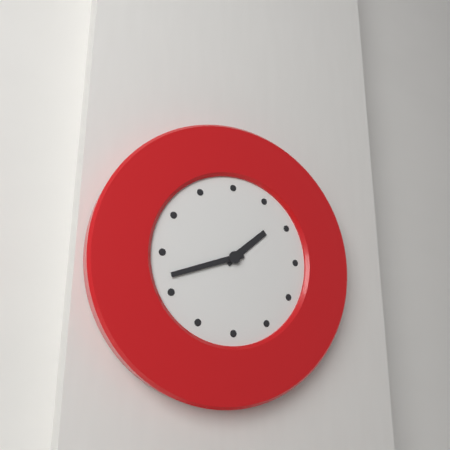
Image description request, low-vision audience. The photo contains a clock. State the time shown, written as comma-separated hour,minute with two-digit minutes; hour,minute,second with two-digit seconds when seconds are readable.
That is 1,42
